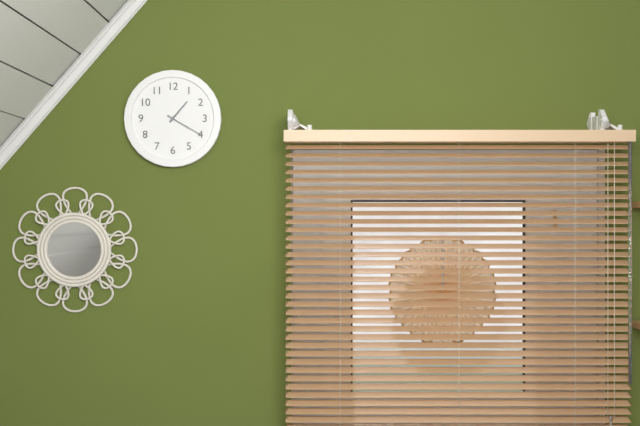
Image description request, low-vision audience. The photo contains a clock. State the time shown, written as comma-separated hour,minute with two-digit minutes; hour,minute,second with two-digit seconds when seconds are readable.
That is 1,20
